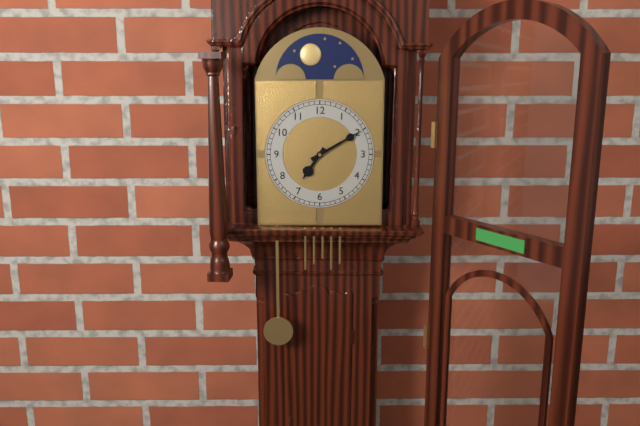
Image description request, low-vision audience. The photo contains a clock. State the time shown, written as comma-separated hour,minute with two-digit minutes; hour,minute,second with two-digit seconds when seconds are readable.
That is 7,10
